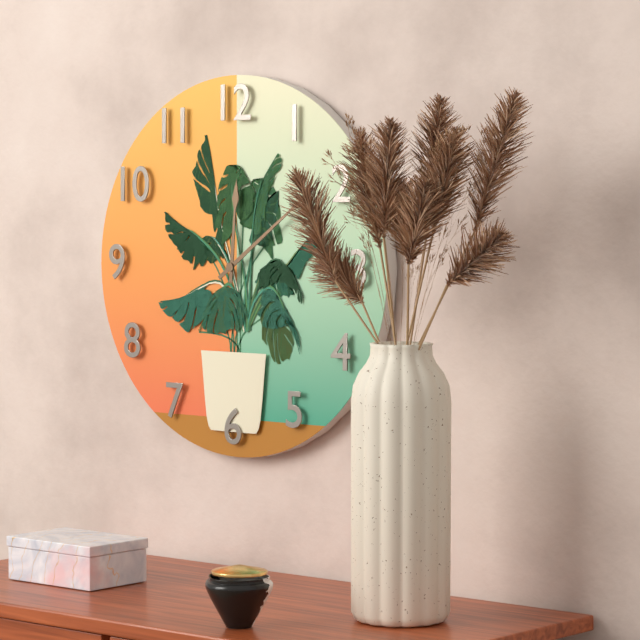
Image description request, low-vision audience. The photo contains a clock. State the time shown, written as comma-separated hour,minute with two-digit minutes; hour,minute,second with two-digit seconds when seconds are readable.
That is 12,09
